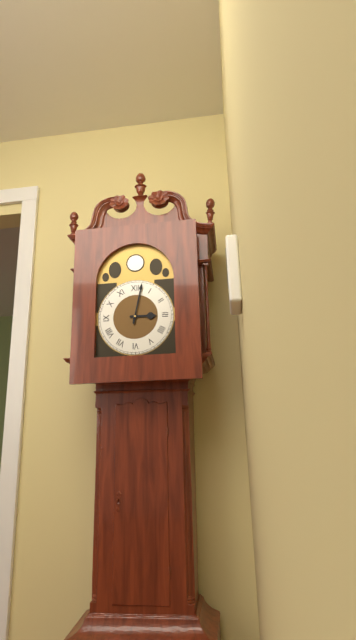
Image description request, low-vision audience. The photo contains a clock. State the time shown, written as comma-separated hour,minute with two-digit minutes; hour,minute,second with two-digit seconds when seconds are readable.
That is 3,02
